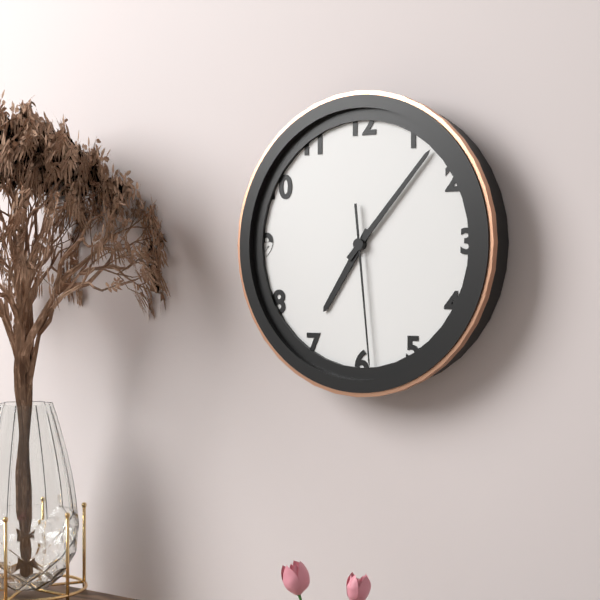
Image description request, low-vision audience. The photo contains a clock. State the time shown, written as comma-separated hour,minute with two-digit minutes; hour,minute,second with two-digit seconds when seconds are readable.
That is 7,07,29
